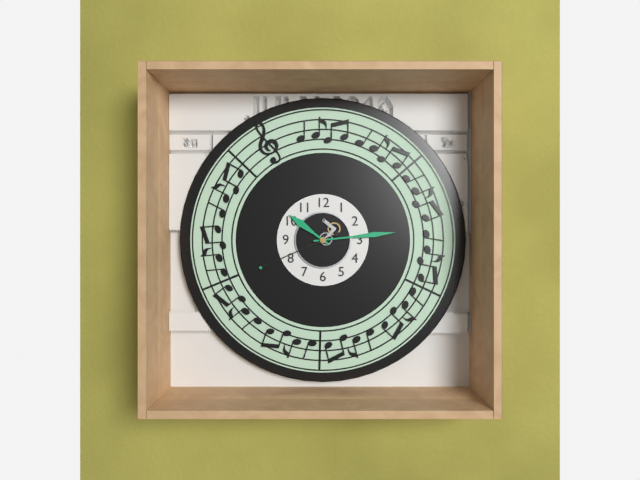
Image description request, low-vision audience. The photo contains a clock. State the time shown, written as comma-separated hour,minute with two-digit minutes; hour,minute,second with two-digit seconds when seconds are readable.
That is 10,14,41
